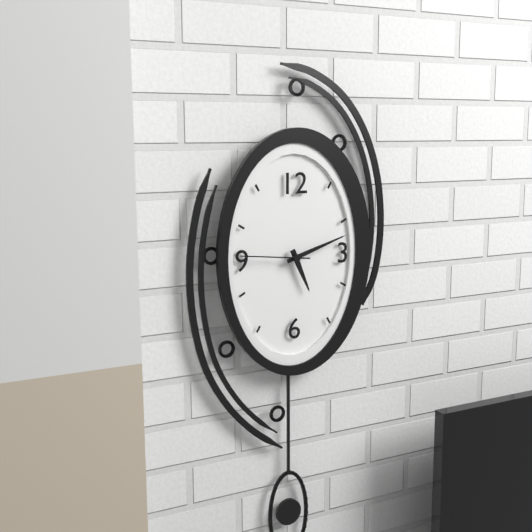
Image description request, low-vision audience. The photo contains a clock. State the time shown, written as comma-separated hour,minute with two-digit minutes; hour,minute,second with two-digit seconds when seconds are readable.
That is 5,12,46
